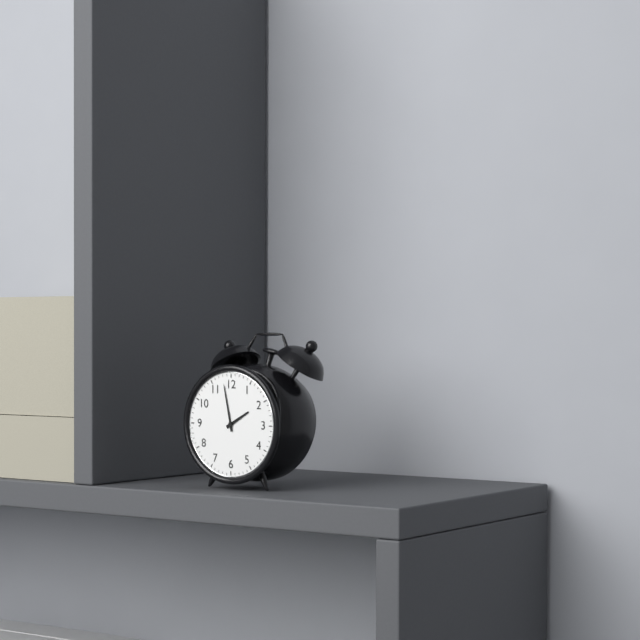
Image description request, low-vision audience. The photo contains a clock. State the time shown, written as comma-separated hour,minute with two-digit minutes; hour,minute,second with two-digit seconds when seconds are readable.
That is 1,58
